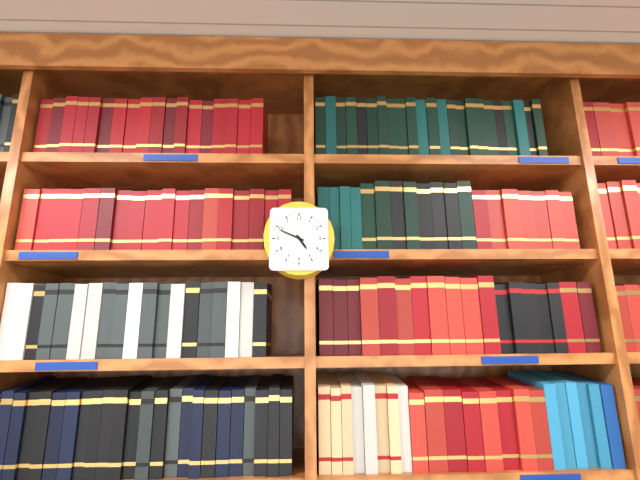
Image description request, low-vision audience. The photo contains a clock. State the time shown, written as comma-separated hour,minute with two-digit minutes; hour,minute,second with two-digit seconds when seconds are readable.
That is 4,49
